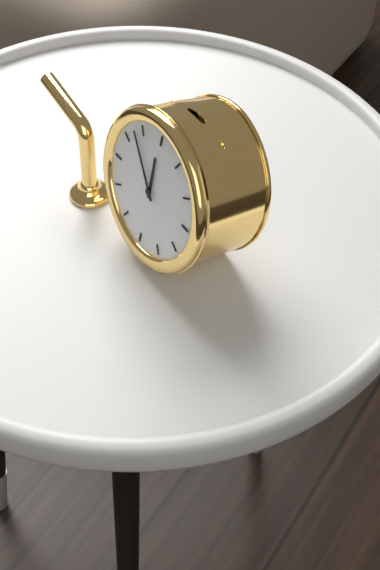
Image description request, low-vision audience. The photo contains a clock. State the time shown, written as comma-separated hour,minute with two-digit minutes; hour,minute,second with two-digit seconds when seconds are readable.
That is 11,53
